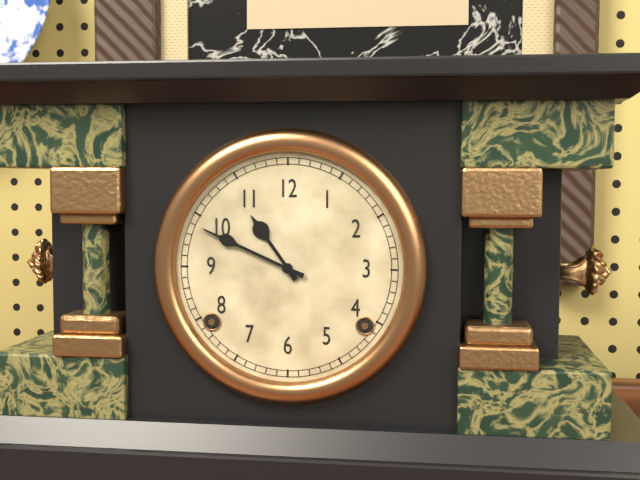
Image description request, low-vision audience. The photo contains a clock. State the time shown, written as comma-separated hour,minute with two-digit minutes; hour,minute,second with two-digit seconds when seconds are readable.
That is 10,49
